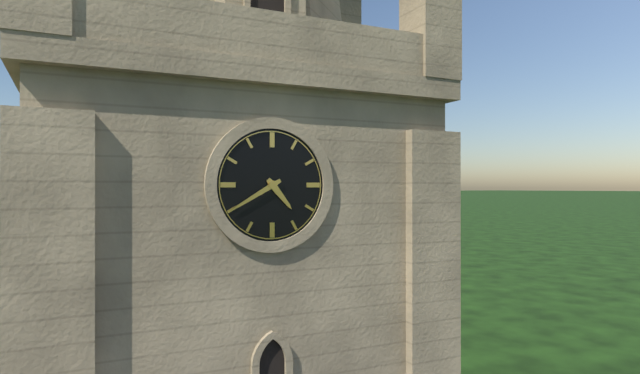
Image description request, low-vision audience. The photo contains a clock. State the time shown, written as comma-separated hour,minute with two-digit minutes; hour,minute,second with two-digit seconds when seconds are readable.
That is 4,40
